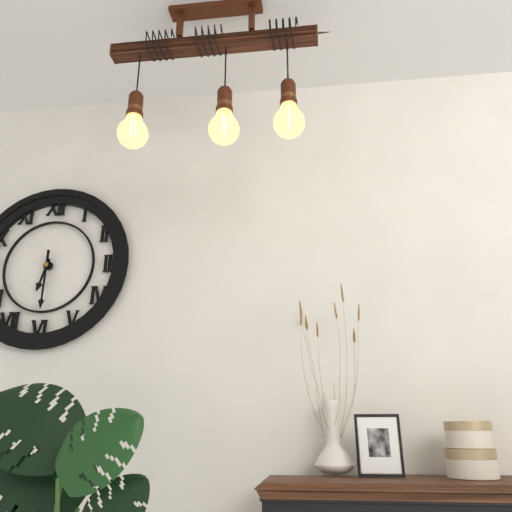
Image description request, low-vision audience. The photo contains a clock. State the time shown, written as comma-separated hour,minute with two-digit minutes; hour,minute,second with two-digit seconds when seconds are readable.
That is 6,30
